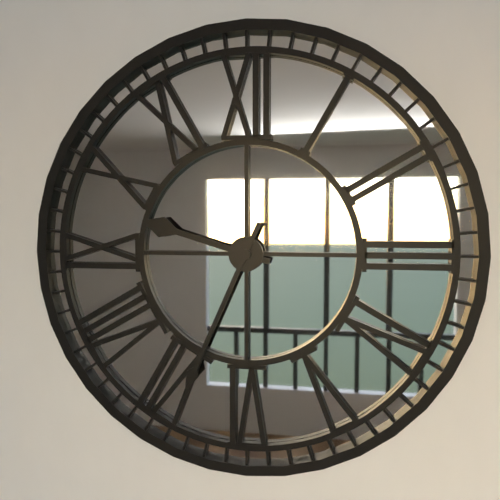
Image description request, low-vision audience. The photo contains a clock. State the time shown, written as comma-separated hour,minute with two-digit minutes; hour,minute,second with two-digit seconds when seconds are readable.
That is 9,34
